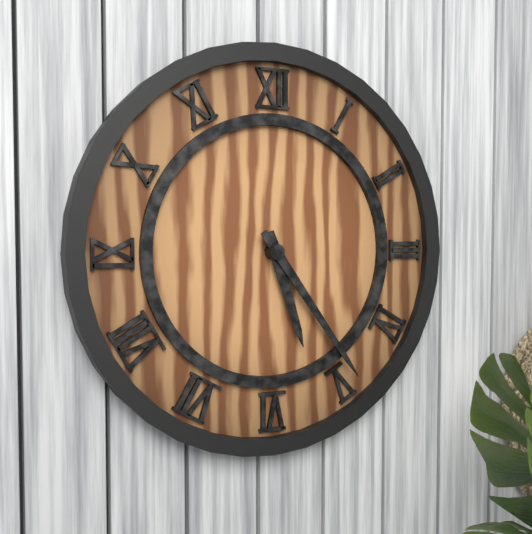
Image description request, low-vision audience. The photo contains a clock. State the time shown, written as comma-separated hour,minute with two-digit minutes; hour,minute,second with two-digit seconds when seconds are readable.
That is 5,24
